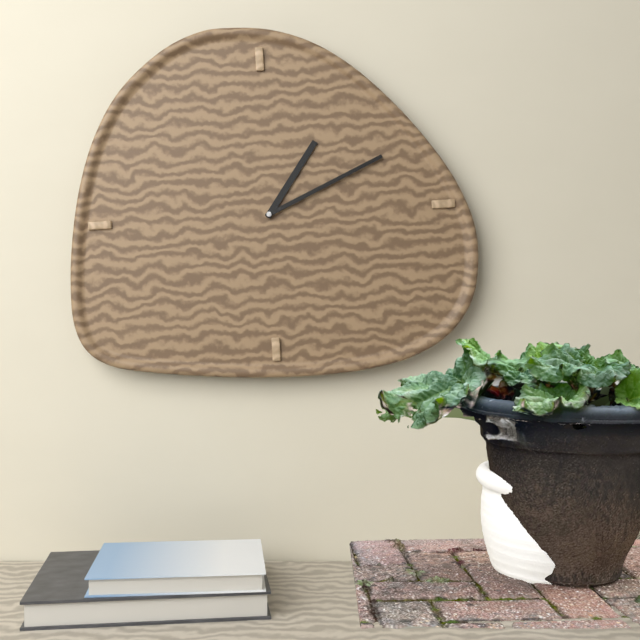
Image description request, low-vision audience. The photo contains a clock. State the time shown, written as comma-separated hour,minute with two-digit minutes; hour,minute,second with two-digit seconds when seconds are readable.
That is 1,11
